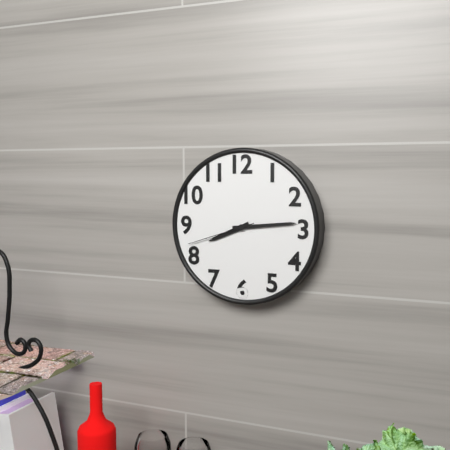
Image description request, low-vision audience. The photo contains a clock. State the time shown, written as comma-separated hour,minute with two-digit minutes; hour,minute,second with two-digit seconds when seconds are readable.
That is 8,14,42
